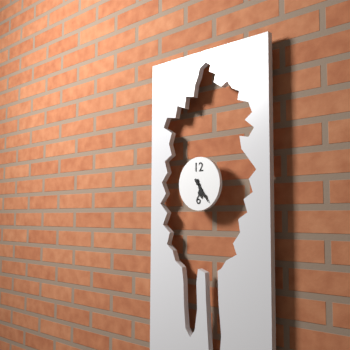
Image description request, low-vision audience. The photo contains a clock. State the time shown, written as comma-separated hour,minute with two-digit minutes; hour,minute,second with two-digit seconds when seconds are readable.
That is 5,24
